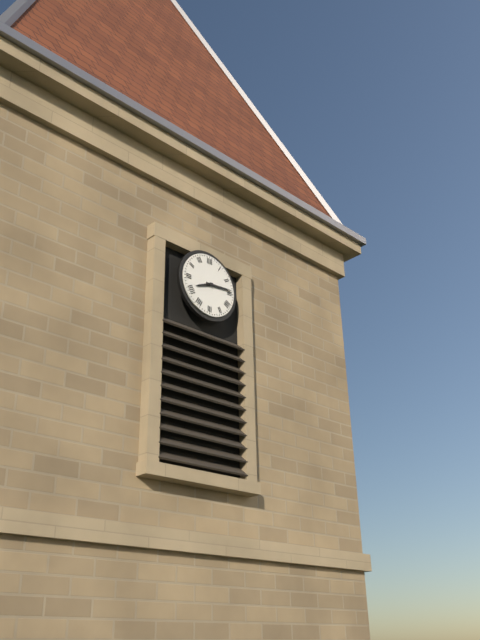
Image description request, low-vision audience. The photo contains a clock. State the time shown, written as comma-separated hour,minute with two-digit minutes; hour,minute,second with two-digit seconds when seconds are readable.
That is 8,14
